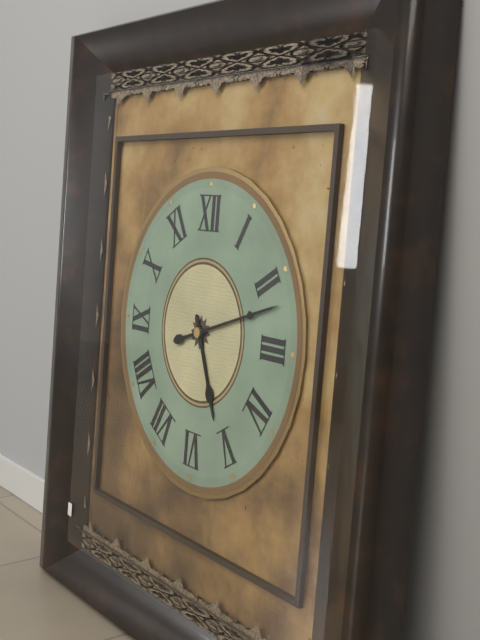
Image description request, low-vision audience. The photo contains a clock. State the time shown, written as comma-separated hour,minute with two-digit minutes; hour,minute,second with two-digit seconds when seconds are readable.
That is 5,12
